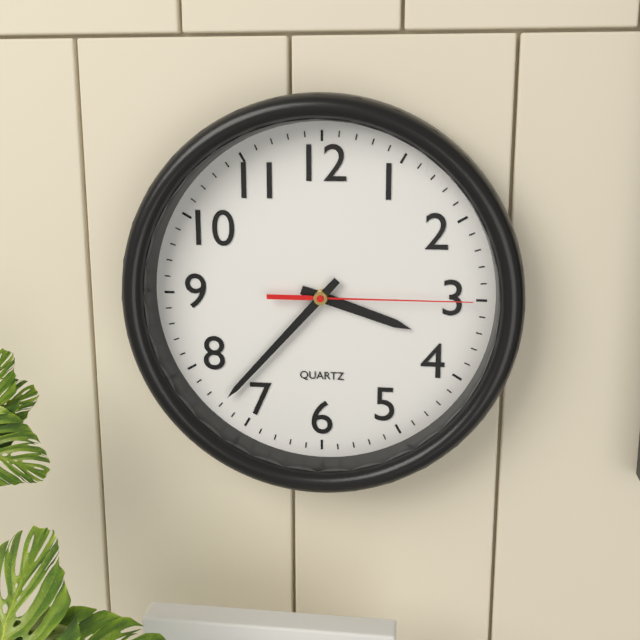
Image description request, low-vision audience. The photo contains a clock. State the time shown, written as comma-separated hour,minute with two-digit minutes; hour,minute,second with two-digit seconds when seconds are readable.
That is 3,37,15
